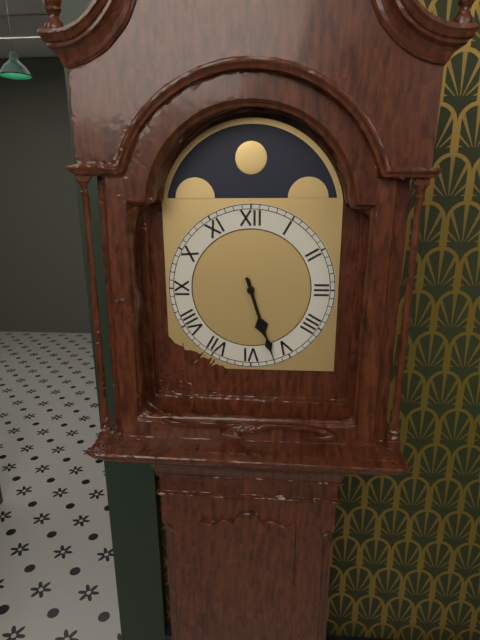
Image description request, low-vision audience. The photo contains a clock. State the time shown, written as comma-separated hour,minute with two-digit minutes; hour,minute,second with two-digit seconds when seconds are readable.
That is 5,27
